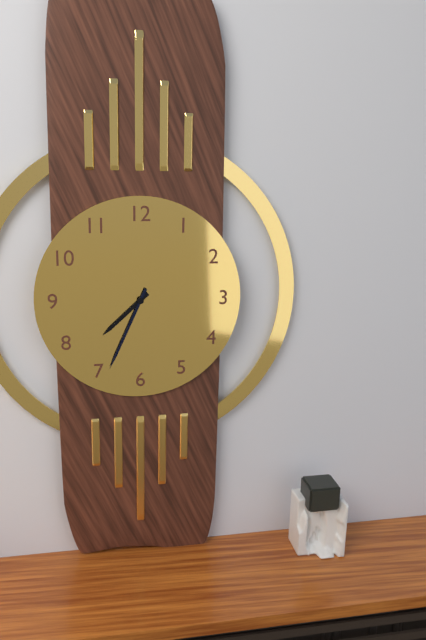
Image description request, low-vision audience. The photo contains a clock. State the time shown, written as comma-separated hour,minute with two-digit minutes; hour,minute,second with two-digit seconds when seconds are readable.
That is 7,34
